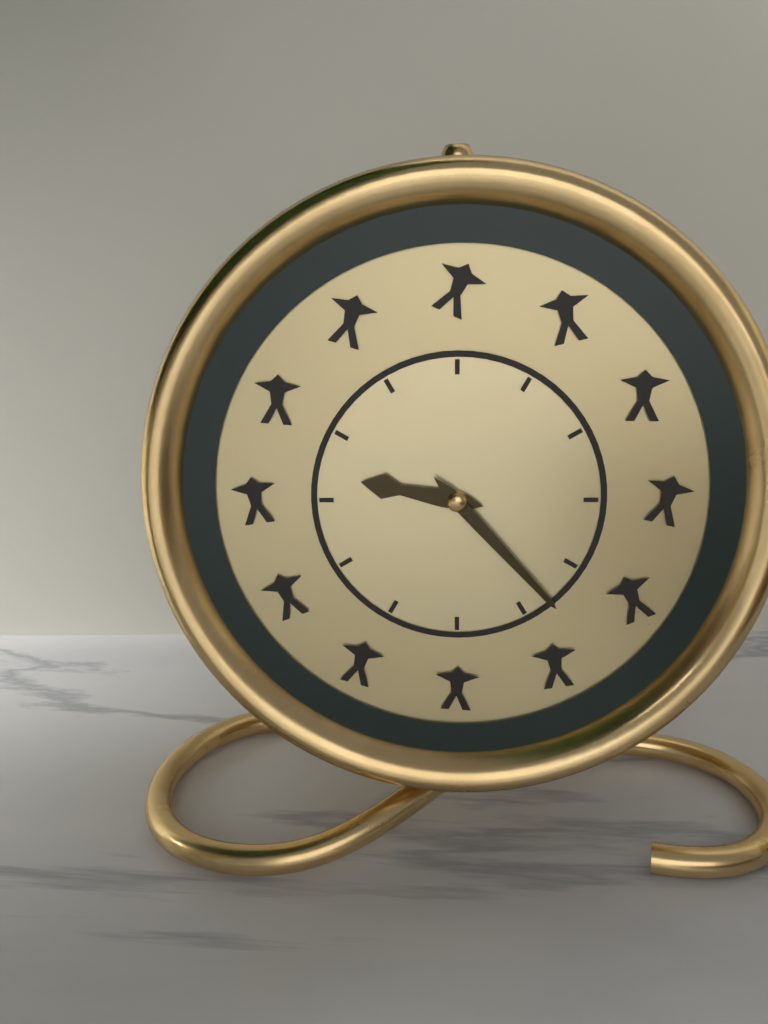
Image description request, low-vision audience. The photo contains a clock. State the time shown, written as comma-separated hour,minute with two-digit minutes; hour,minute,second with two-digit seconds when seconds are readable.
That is 9,23
